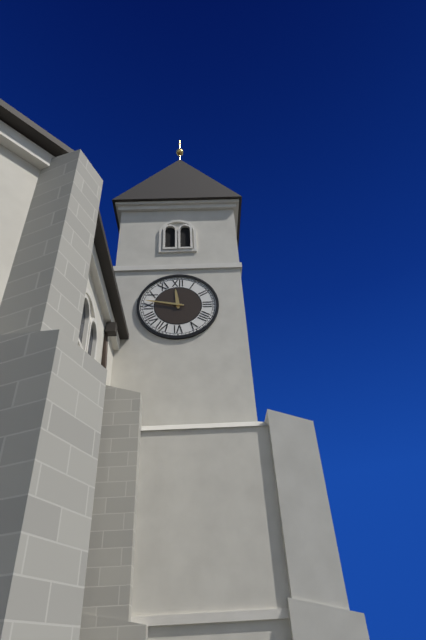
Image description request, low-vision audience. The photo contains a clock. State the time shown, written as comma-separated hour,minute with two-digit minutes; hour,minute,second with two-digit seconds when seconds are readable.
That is 11,47
